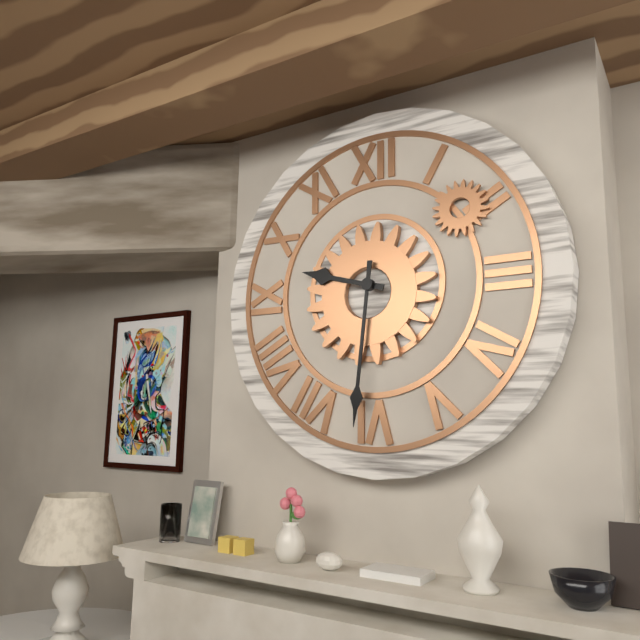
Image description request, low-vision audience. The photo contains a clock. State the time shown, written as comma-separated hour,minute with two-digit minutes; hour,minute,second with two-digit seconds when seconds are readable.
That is 9,31
